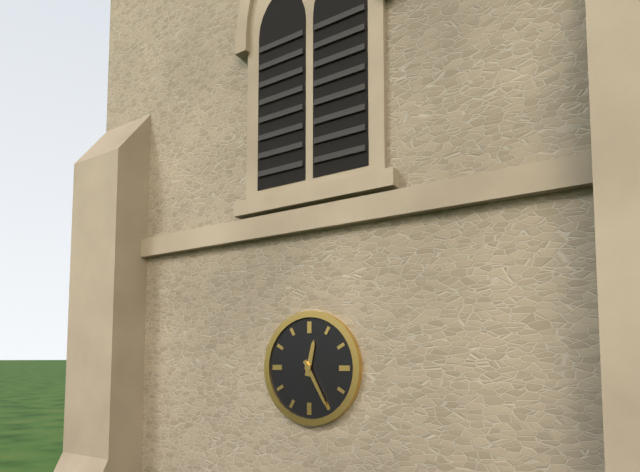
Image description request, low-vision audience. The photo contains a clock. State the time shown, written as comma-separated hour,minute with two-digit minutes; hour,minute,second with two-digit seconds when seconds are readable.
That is 12,25
